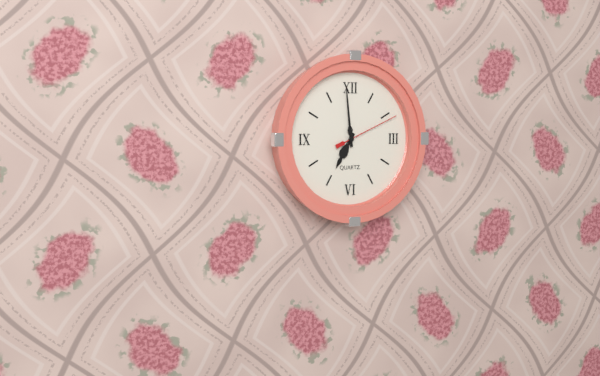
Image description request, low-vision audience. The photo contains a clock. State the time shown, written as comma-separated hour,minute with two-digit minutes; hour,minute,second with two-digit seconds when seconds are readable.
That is 6,59,11
